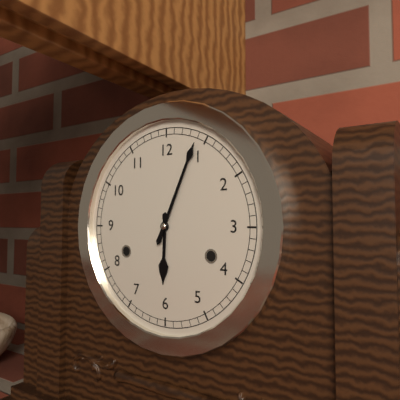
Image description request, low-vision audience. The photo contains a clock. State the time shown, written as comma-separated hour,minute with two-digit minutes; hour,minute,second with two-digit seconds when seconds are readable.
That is 6,04
